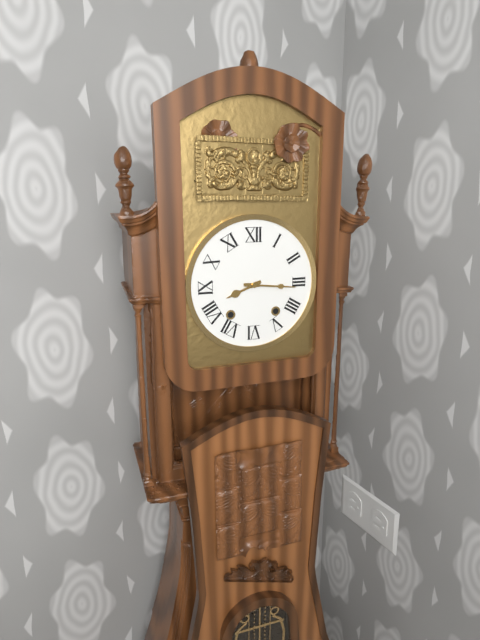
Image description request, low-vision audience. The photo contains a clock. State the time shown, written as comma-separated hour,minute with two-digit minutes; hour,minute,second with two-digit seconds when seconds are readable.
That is 8,16
